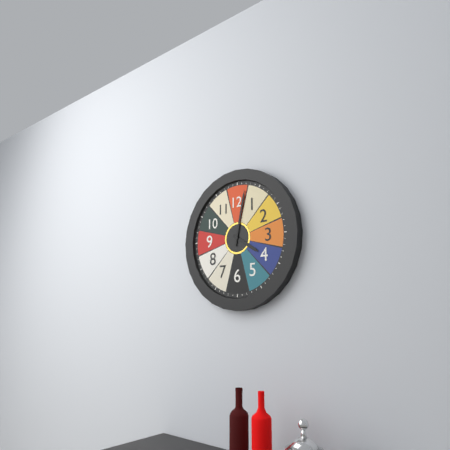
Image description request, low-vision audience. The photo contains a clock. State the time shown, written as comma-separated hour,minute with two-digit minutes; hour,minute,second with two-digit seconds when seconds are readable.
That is 4,02
